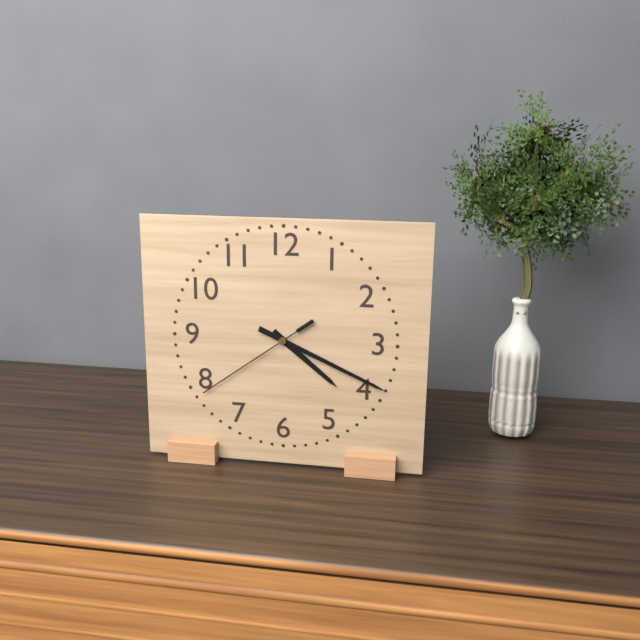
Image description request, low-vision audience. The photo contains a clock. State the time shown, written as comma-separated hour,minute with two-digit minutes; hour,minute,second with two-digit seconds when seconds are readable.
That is 4,19,39
